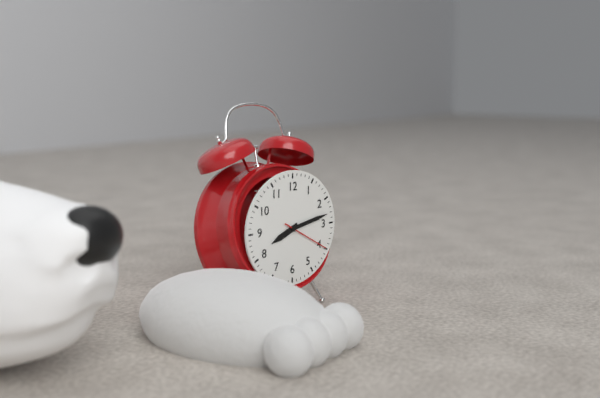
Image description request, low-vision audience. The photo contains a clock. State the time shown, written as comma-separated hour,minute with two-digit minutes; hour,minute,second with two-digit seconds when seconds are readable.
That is 8,13,20
